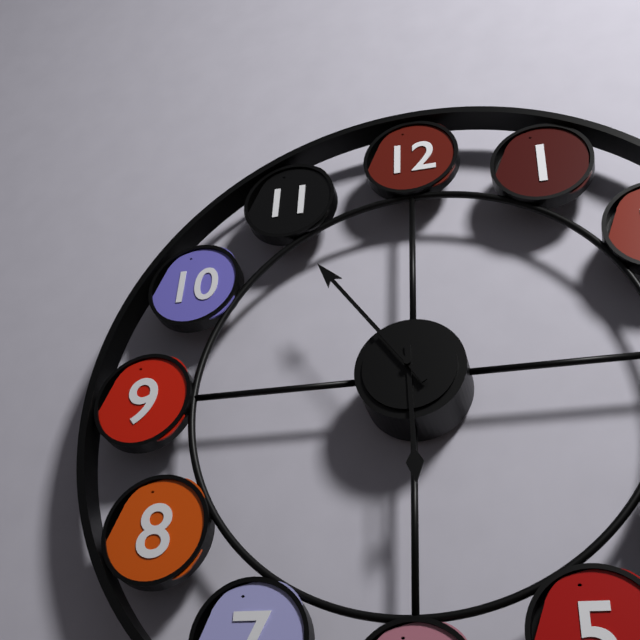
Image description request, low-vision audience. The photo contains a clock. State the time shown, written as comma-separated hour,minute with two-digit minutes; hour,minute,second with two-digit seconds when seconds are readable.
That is 5,54
